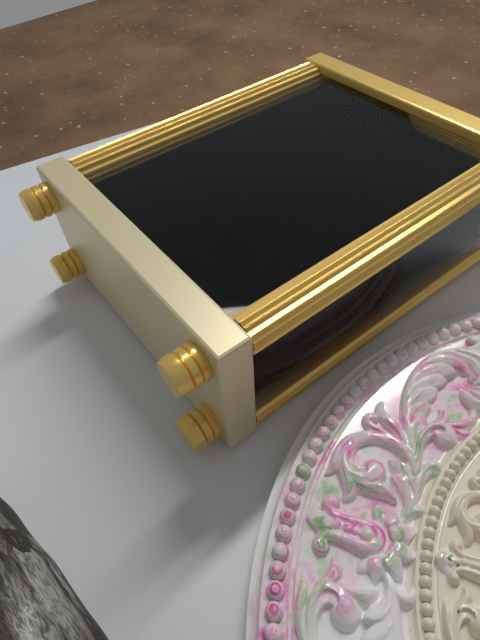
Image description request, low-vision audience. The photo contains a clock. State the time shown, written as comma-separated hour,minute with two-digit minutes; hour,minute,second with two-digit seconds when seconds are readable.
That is 1,41
